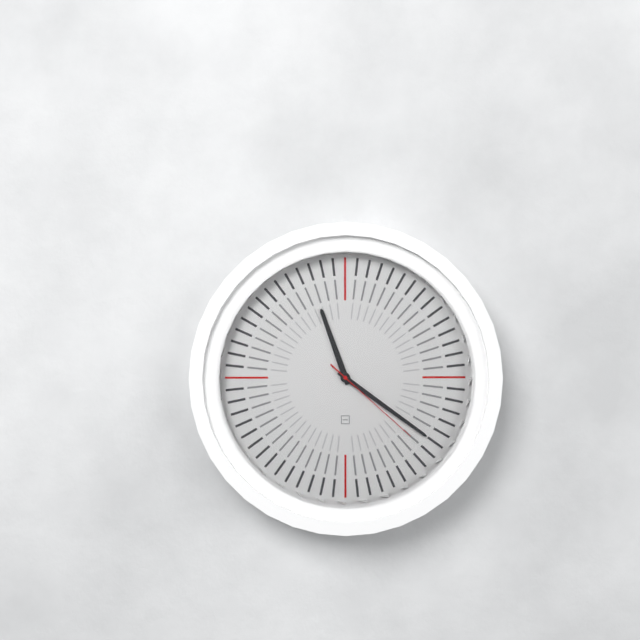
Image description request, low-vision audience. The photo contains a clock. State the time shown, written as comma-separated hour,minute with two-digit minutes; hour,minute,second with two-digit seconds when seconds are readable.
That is 11,21,22
